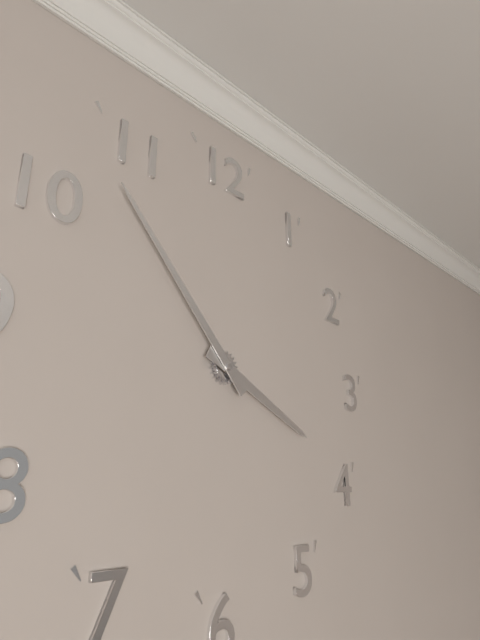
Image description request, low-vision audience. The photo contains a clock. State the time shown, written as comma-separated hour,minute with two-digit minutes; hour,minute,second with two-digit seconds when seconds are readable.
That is 3,53
